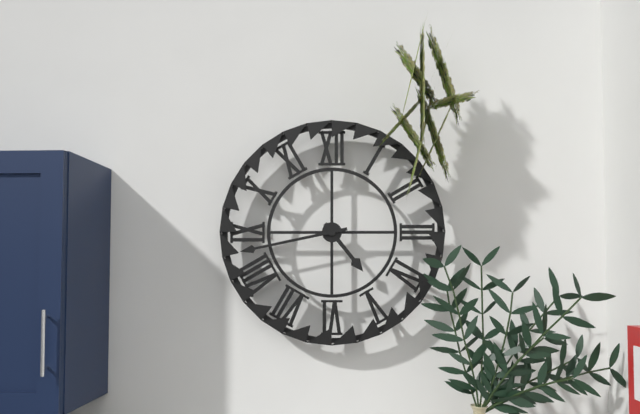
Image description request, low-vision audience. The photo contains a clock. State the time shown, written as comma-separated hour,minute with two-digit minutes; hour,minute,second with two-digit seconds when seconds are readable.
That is 4,43
